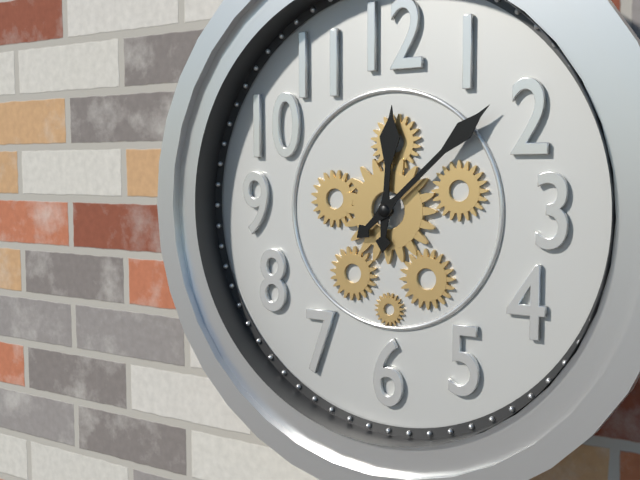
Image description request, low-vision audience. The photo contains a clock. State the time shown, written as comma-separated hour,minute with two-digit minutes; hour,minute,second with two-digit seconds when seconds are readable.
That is 12,08
